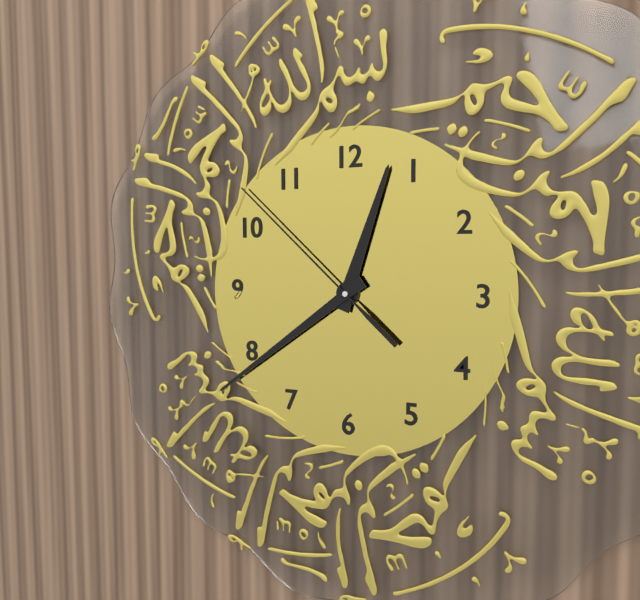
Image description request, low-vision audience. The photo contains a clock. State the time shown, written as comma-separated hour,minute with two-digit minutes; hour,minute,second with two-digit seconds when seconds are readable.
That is 12,39,52
